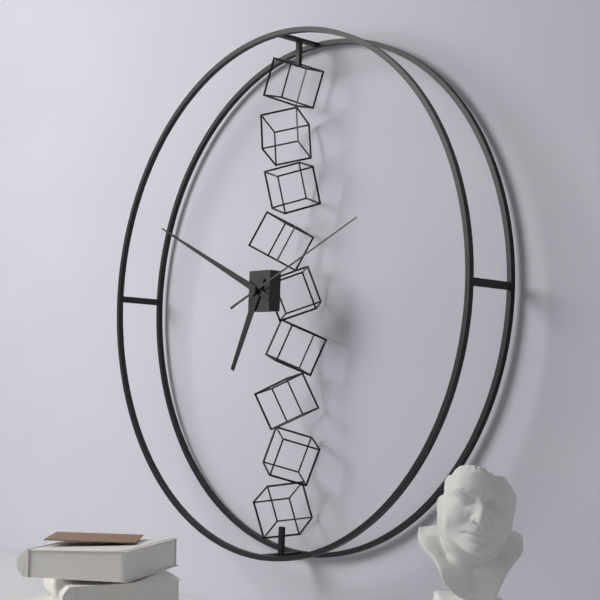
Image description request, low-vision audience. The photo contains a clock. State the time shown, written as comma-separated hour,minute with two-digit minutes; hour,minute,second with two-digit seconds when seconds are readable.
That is 6,49,11
